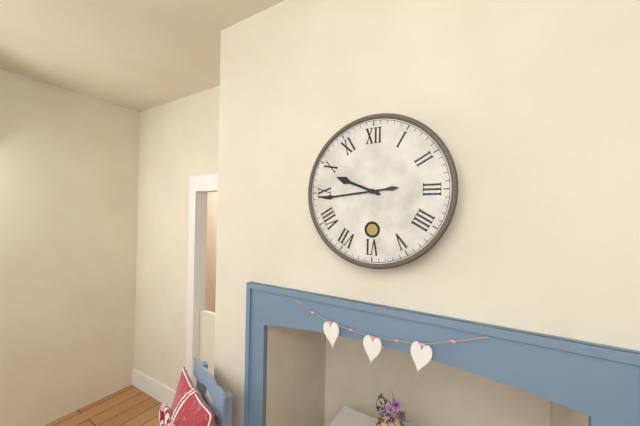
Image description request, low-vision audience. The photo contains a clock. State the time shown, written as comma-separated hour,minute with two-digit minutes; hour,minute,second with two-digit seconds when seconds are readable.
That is 9,44
